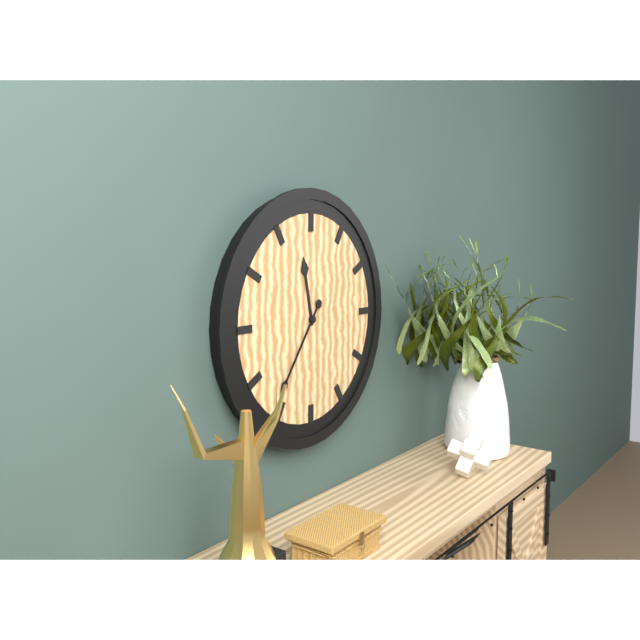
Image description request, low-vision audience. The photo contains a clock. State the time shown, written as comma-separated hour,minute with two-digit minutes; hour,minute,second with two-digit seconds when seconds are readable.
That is 11,36
